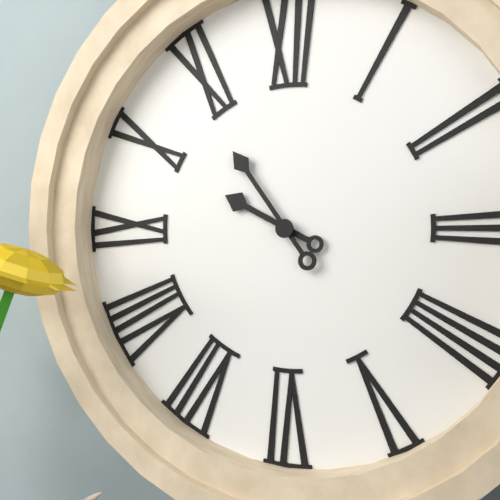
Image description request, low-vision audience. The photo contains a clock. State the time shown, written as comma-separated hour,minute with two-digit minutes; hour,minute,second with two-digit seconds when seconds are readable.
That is 9,54
